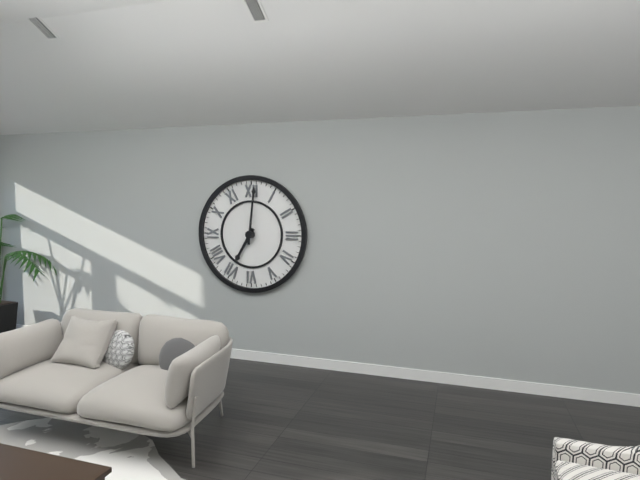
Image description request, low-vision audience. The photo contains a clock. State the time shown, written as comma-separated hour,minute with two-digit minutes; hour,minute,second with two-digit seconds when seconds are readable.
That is 7,01
